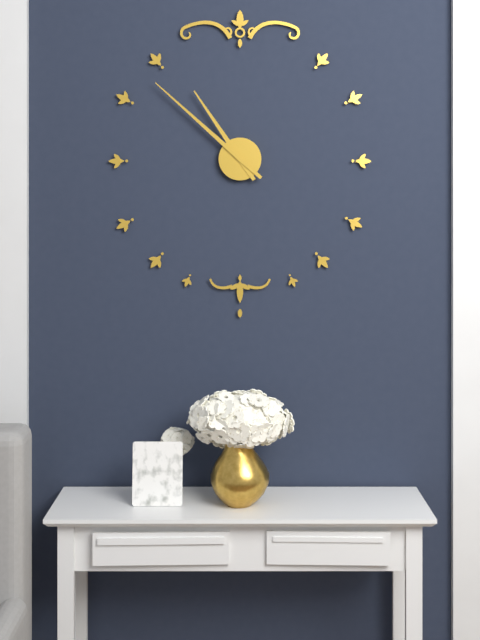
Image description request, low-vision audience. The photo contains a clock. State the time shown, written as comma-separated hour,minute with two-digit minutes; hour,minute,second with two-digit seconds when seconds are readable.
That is 10,52
